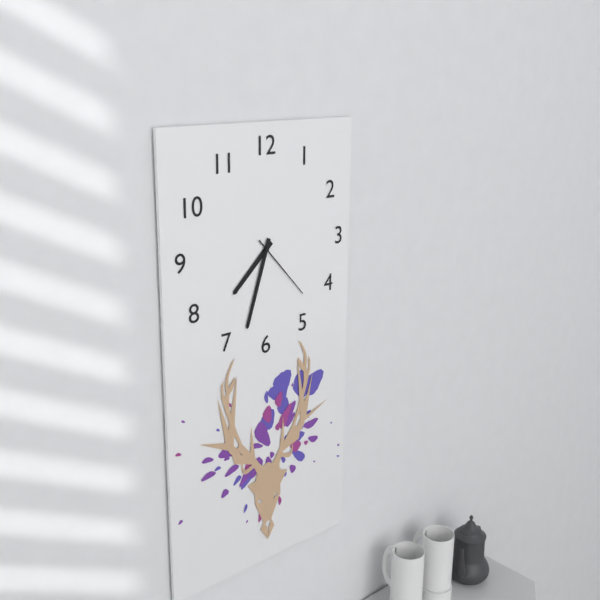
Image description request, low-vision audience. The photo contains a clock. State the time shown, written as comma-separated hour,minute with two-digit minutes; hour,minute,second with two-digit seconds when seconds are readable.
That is 7,33,23
